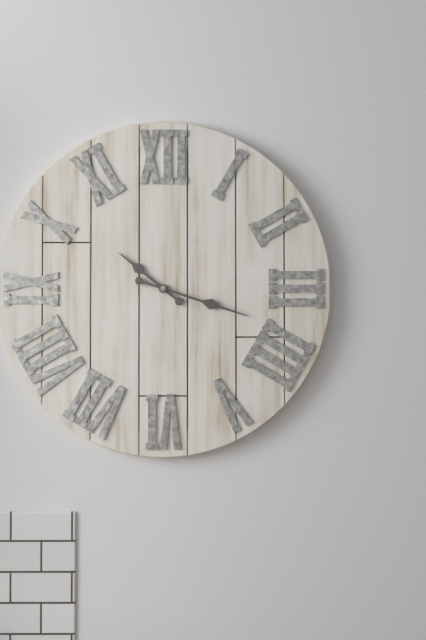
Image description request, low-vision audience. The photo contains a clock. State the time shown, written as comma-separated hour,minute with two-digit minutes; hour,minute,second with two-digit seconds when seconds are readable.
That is 10,18
